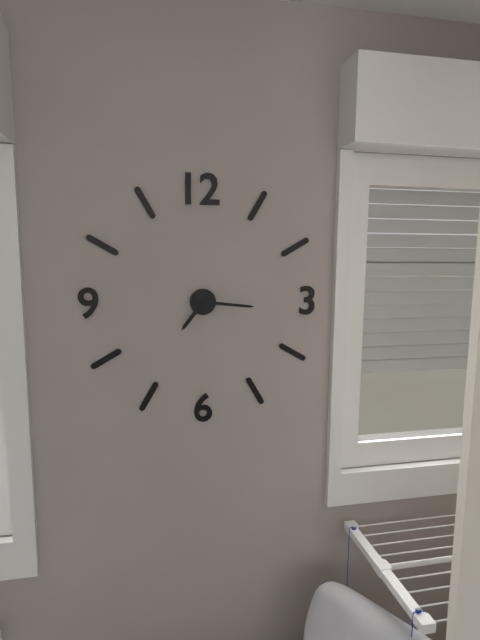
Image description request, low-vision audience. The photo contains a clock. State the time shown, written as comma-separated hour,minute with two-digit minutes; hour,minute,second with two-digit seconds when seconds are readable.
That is 7,16
